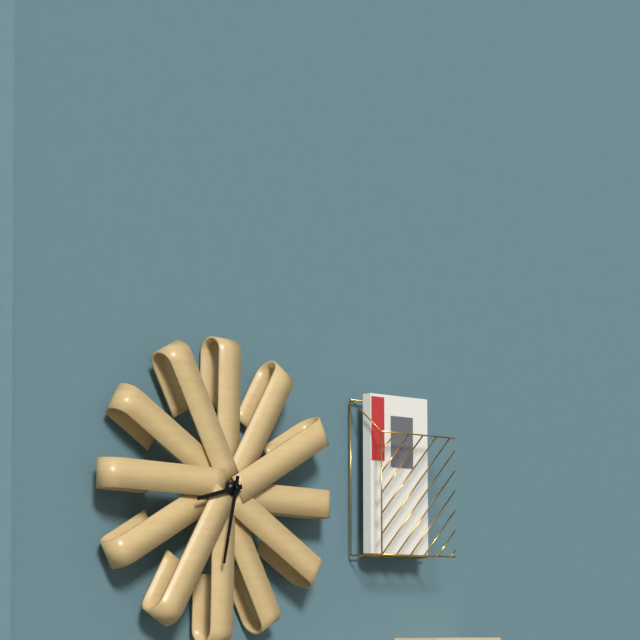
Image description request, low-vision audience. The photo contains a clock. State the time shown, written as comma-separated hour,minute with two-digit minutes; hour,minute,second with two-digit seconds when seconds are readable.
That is 8,32
